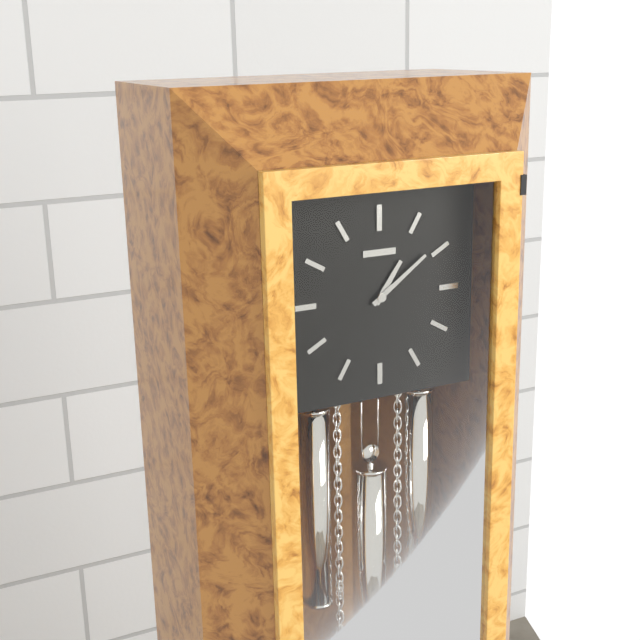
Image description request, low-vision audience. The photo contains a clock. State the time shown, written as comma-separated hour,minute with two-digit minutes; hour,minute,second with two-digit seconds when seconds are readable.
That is 1,09
